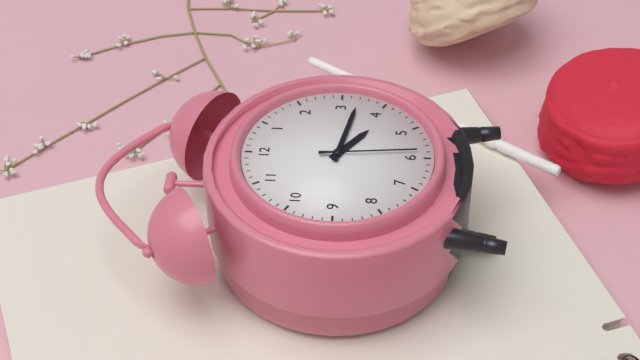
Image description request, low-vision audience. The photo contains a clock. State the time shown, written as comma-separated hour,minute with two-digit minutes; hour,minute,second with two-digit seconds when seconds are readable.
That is 4,17,29
